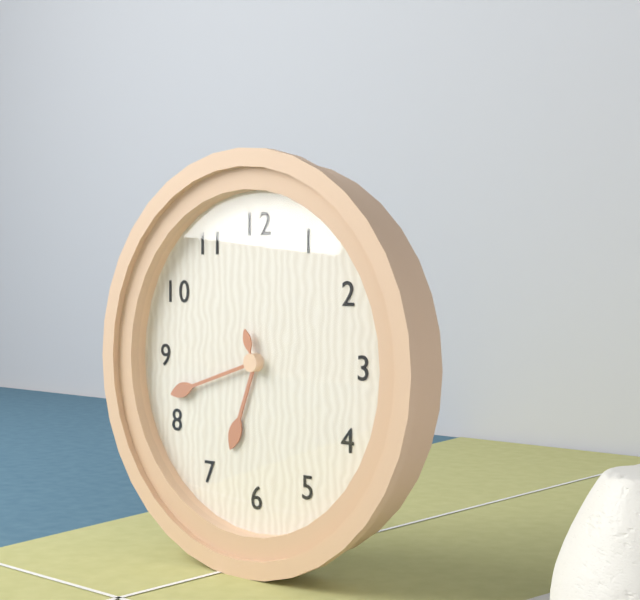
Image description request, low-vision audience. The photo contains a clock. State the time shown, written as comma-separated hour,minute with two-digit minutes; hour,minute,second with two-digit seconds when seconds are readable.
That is 6,42
